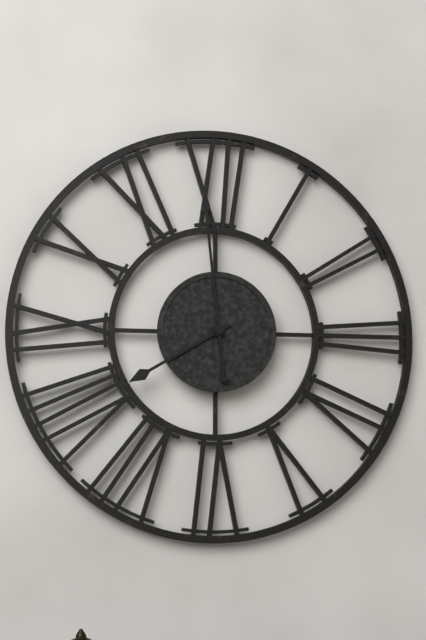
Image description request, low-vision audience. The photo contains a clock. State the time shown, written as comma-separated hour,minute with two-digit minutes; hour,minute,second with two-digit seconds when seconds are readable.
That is 7,59
